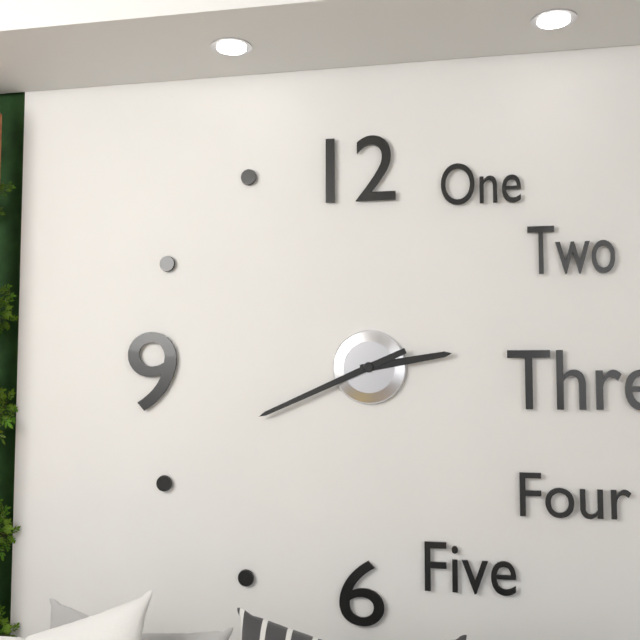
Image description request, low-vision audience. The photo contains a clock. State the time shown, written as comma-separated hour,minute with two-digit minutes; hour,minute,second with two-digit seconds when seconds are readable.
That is 2,41
